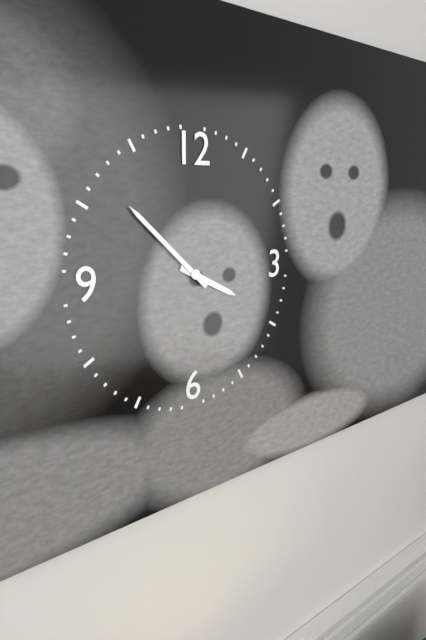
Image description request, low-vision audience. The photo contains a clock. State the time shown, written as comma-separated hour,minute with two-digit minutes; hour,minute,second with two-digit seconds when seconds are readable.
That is 3,52
